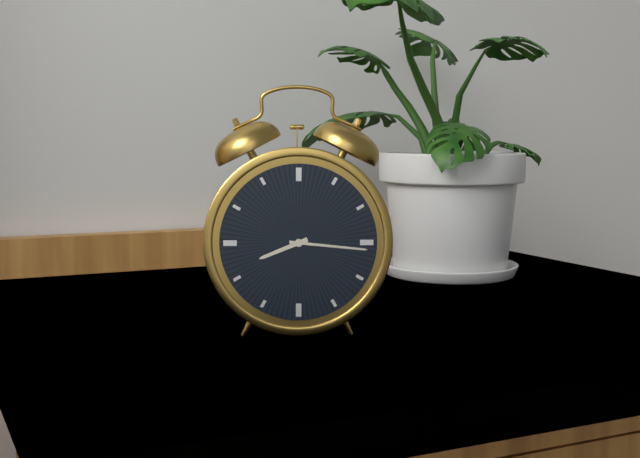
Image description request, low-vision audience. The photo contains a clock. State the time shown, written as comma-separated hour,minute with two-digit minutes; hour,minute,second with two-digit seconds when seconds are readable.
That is 8,16
